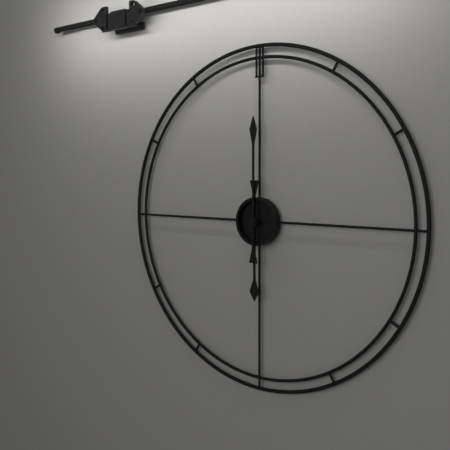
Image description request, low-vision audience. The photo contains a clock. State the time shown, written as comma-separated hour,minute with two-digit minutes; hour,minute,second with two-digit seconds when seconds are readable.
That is 6,00
